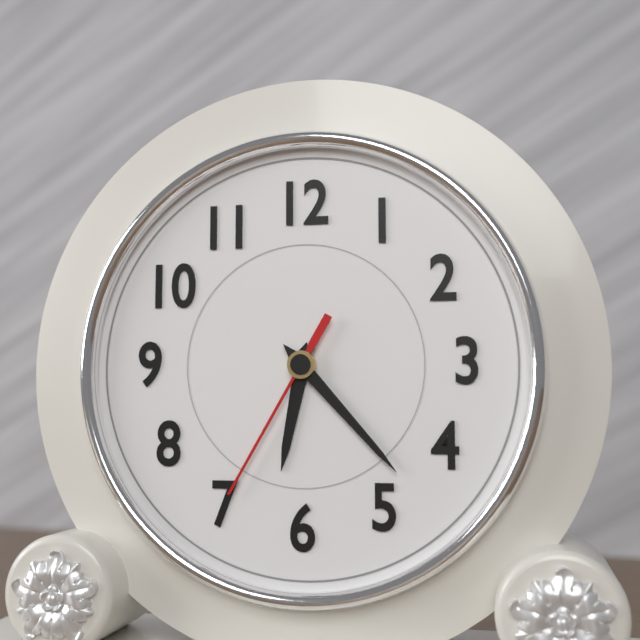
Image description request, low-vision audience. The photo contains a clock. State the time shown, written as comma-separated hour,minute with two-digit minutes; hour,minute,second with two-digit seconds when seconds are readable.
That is 6,23,35
